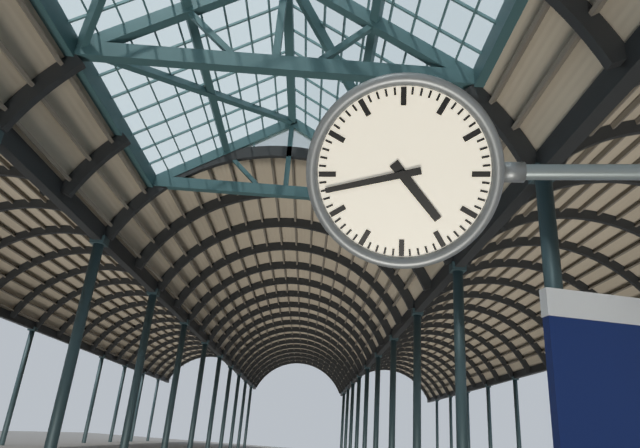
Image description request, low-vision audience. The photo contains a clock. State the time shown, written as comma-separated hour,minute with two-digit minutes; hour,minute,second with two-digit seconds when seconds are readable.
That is 4,43
